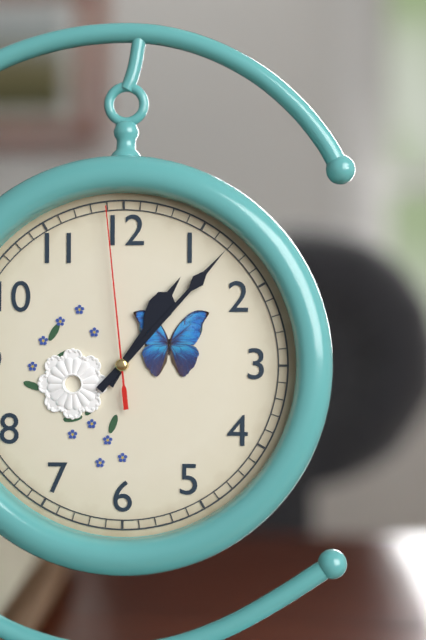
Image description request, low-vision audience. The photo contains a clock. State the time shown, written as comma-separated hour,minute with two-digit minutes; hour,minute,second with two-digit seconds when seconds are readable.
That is 1,07,59
